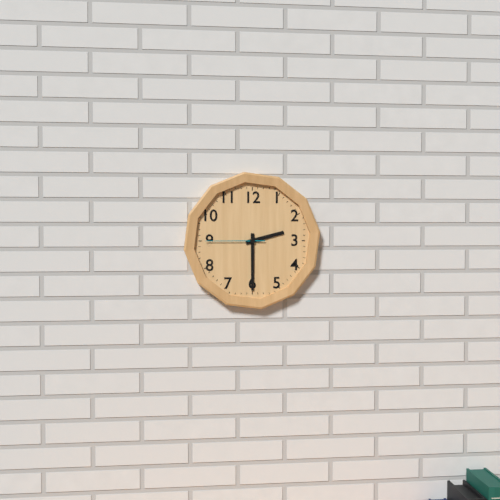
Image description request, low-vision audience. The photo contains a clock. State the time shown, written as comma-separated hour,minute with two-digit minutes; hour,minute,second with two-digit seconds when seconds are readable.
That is 2,30,45
